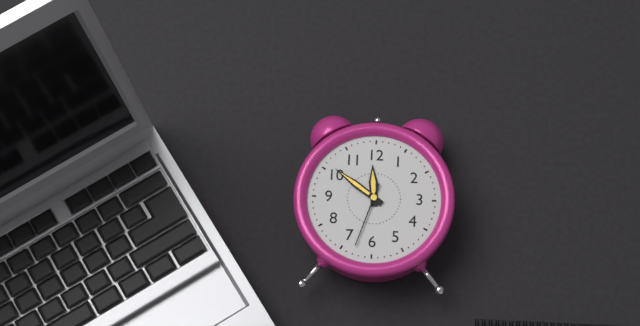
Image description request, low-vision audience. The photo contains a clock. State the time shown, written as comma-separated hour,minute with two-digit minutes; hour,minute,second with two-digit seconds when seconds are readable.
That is 11,51,33
